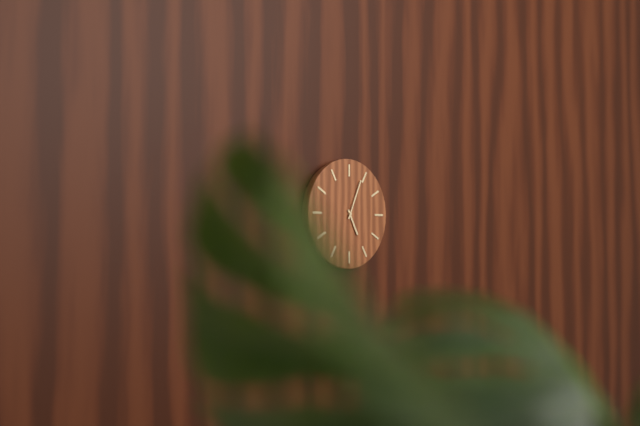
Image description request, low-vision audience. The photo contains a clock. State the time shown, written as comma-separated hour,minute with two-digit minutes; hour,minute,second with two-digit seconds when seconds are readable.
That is 5,04
